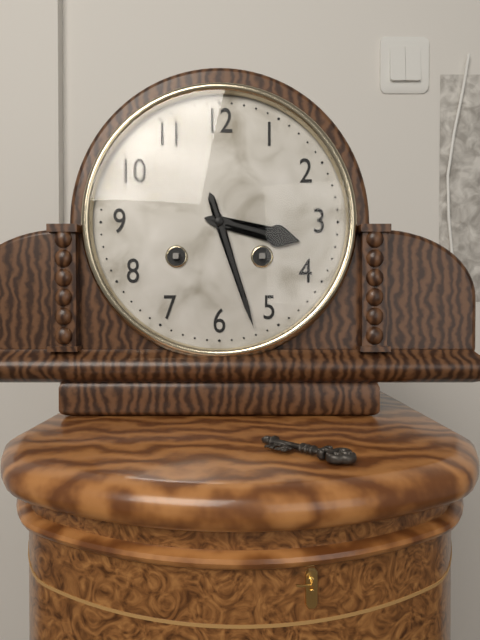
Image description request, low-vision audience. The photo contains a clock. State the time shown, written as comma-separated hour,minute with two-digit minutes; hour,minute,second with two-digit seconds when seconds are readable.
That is 3,27
